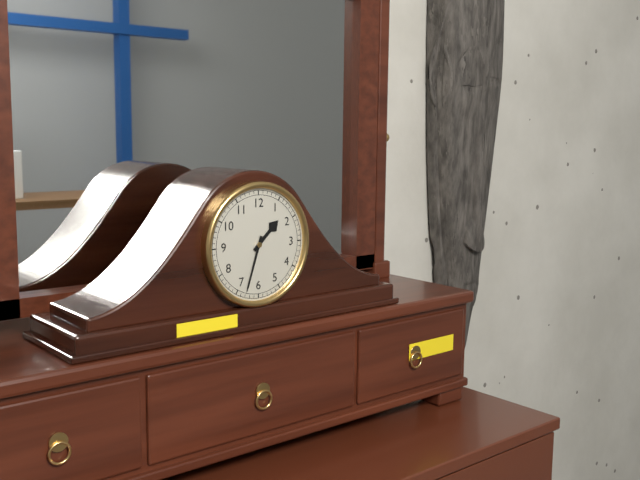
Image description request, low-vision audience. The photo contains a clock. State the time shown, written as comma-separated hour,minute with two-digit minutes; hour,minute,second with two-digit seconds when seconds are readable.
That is 1,33
